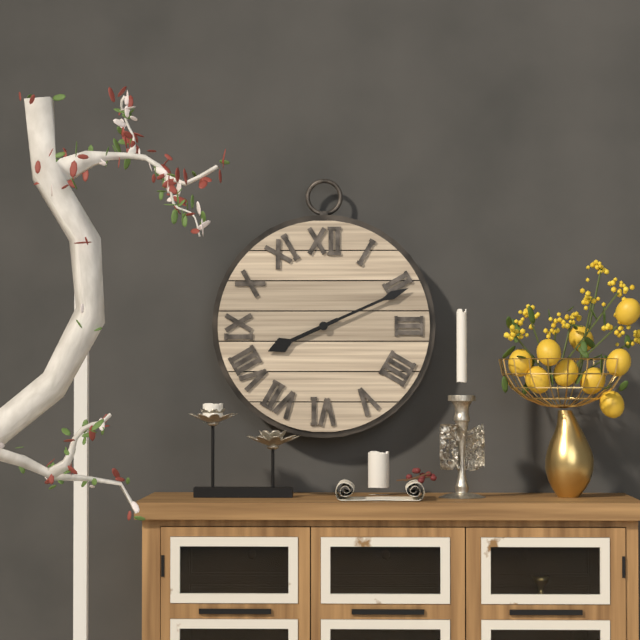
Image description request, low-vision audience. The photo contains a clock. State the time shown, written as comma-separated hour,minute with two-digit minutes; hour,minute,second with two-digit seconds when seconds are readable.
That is 8,11
